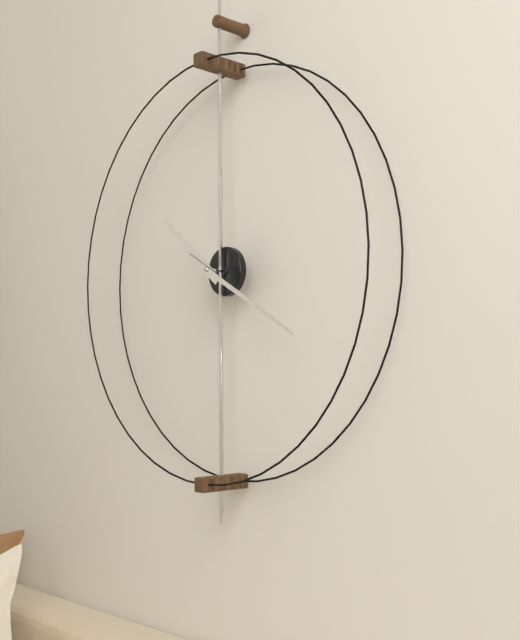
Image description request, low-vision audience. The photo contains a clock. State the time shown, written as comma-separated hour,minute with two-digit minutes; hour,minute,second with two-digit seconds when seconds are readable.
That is 10,20
